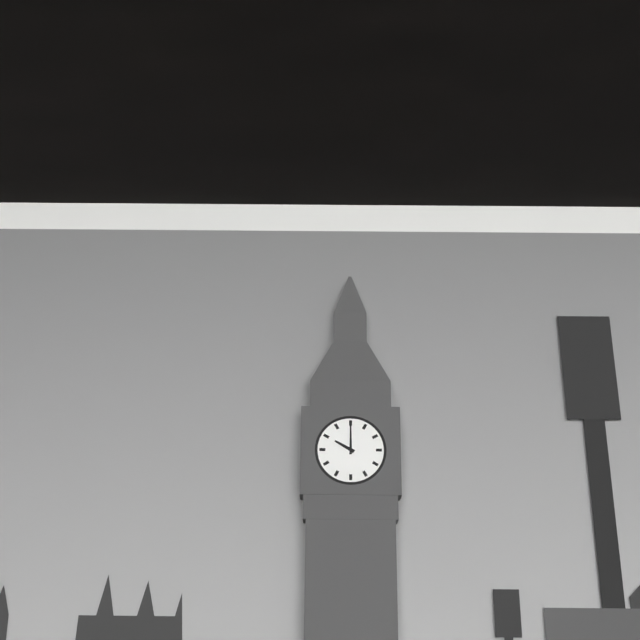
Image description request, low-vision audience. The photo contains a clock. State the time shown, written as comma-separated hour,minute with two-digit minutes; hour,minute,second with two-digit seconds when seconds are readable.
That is 10,00
